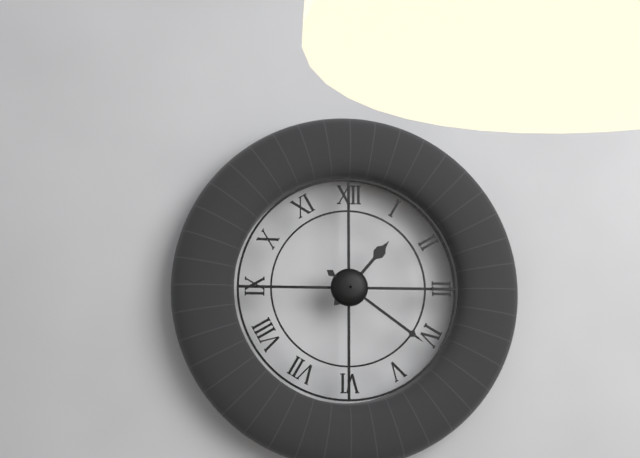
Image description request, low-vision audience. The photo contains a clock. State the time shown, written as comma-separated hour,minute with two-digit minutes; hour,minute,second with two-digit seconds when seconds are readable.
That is 1,21
